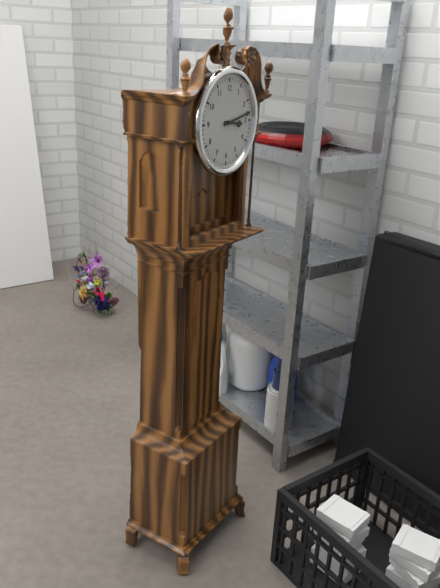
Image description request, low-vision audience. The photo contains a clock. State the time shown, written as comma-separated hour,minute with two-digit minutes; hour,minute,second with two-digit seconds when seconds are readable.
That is 3,13
